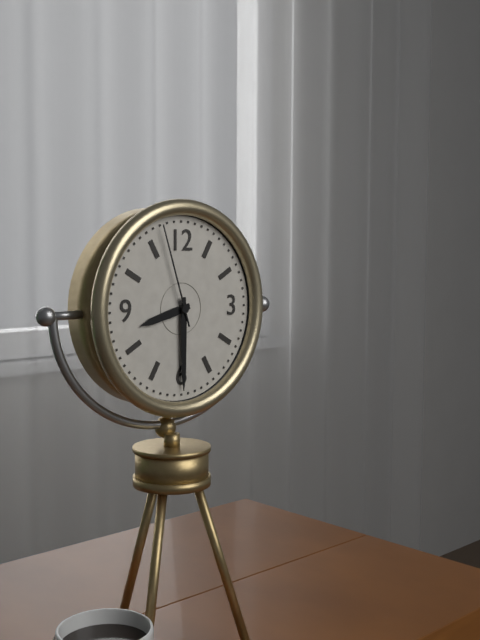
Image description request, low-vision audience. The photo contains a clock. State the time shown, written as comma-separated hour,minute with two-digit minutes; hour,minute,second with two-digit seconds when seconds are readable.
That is 8,30,57
